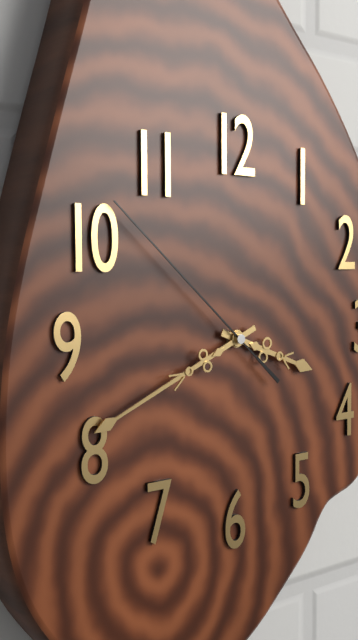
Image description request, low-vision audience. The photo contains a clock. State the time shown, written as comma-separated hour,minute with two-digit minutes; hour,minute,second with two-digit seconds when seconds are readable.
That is 3,41,52
